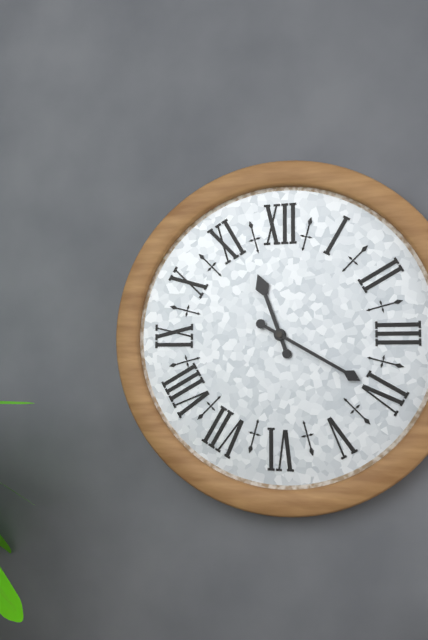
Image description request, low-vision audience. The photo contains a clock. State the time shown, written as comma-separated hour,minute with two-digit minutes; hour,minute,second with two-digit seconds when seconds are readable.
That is 11,20
